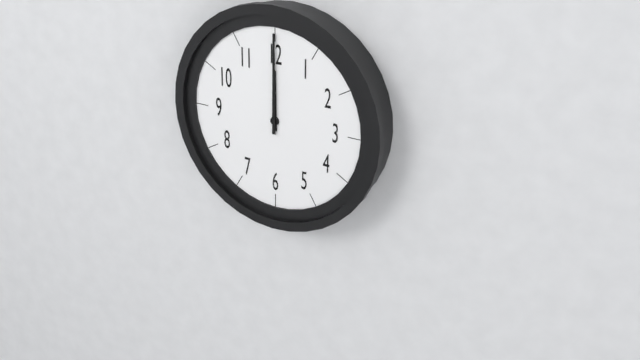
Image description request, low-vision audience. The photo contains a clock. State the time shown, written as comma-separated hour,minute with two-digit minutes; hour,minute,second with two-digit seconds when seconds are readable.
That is 12,00
